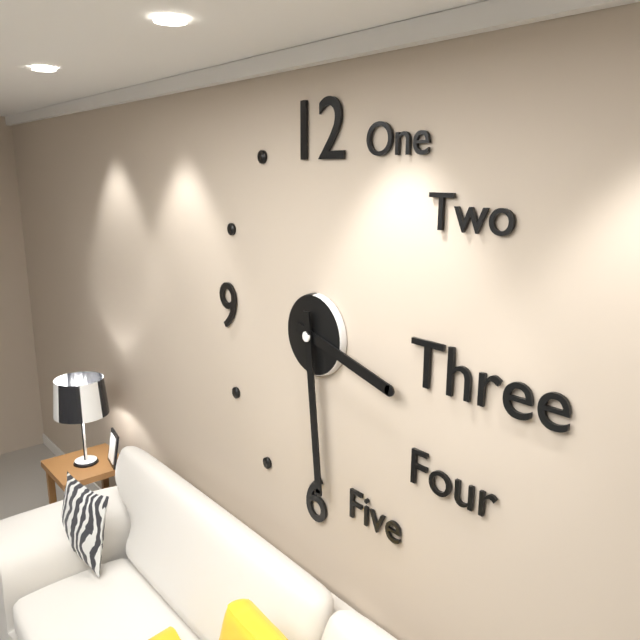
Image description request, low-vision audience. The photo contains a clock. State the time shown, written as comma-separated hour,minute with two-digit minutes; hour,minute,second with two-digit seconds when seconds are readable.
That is 3,29
